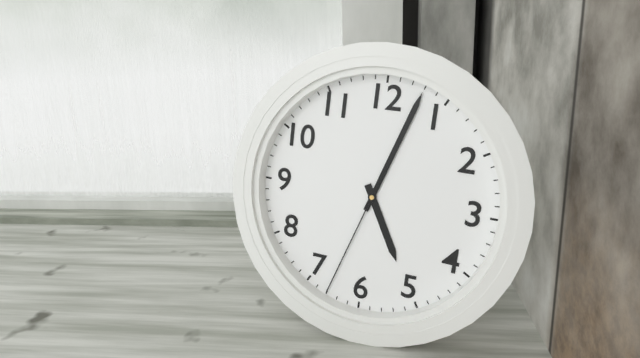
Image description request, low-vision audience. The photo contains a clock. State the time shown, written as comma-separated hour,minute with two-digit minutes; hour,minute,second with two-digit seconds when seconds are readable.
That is 5,03,33
